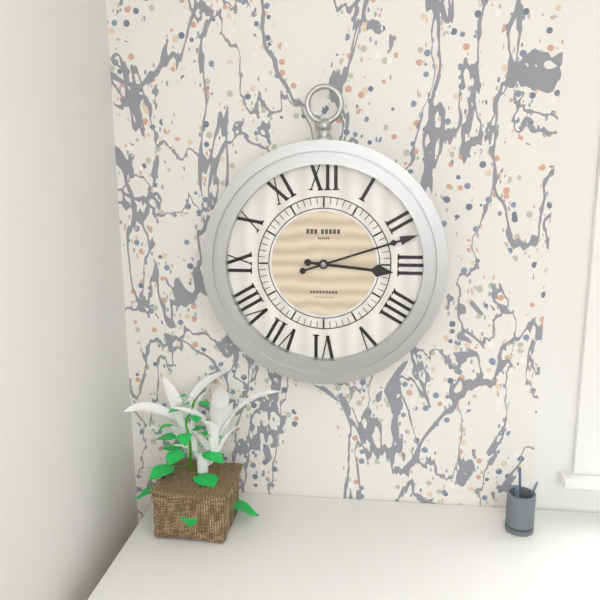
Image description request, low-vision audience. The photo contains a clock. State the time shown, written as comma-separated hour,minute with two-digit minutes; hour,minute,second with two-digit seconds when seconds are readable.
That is 3,12
